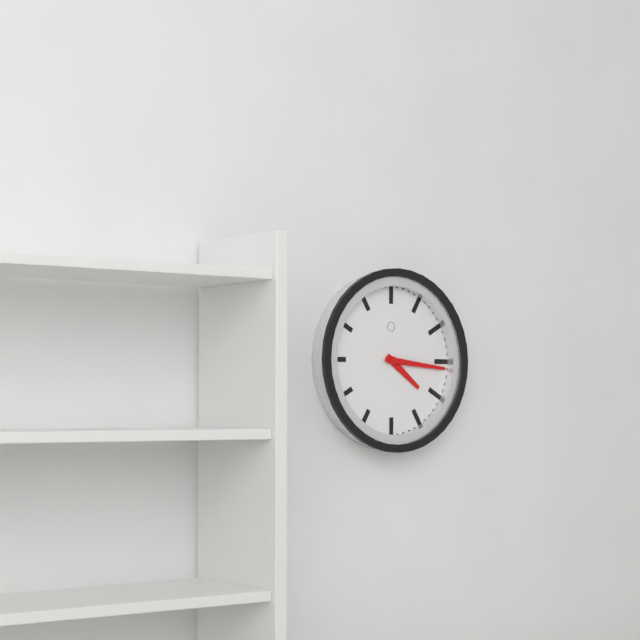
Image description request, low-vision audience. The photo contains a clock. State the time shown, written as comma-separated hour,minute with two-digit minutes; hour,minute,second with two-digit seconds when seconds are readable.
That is 4,16
